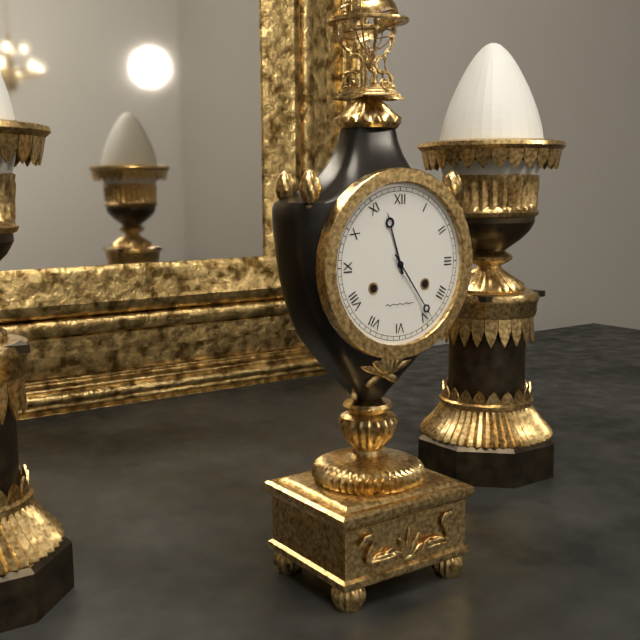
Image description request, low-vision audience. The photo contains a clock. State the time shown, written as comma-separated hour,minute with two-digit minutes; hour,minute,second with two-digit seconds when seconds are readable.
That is 11,24
